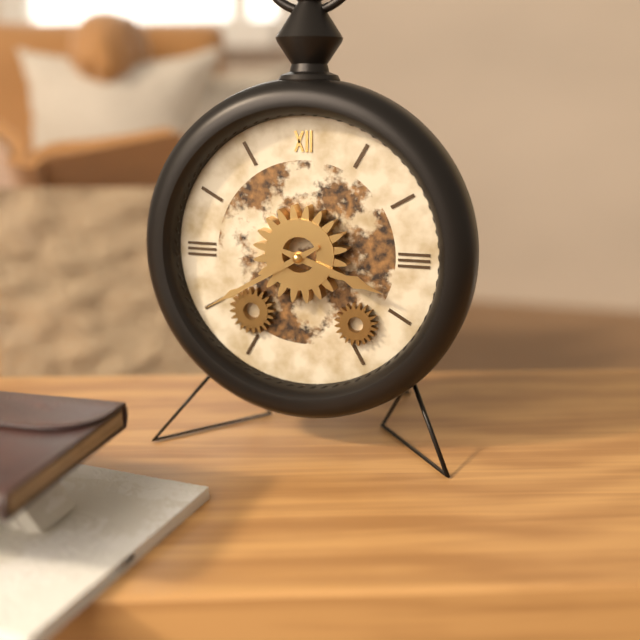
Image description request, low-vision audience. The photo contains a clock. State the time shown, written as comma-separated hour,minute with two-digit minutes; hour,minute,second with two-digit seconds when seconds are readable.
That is 3,40
